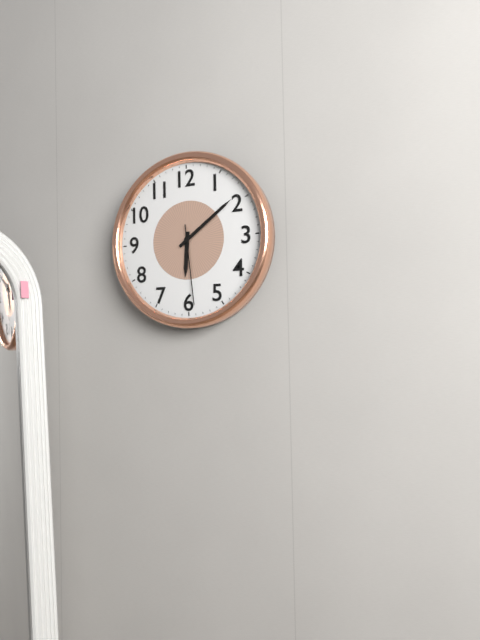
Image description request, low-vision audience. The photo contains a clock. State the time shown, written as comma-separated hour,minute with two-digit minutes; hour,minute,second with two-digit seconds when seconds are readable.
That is 6,09,29
